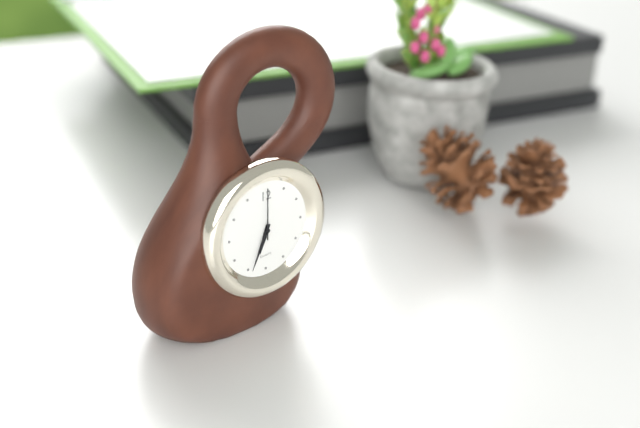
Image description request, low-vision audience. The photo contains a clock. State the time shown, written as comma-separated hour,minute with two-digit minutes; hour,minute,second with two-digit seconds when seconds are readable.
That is 6,34,00
